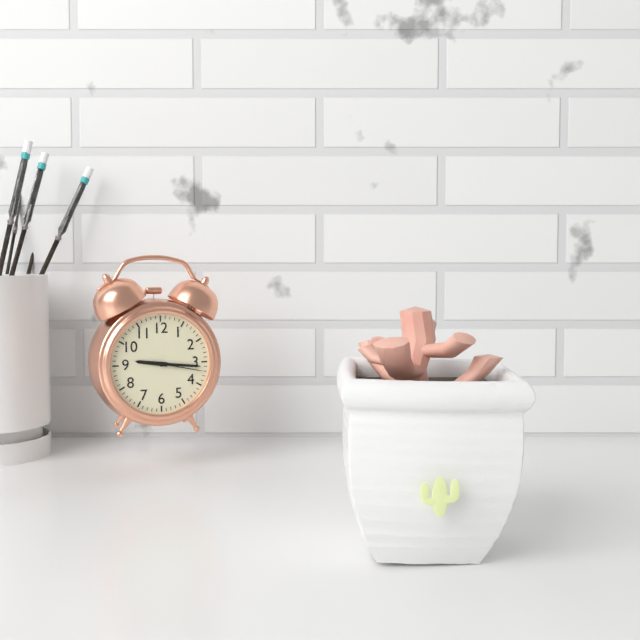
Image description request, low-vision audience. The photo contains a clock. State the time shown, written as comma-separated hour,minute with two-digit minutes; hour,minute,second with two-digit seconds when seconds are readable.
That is 9,16,17
